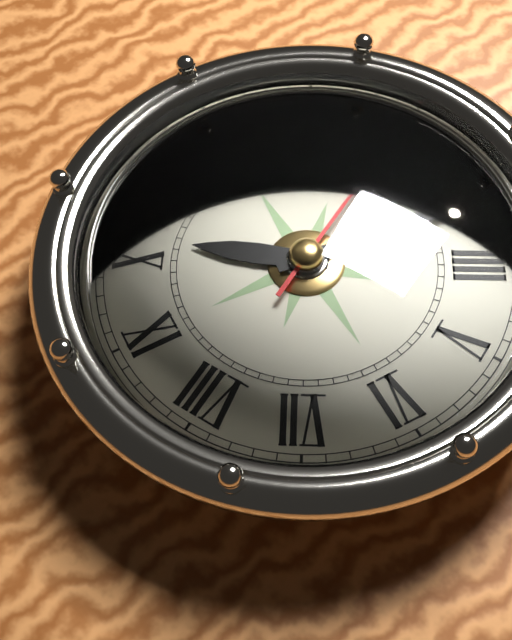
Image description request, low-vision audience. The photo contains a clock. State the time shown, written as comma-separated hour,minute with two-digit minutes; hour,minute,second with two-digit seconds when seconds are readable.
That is 10,16,10
